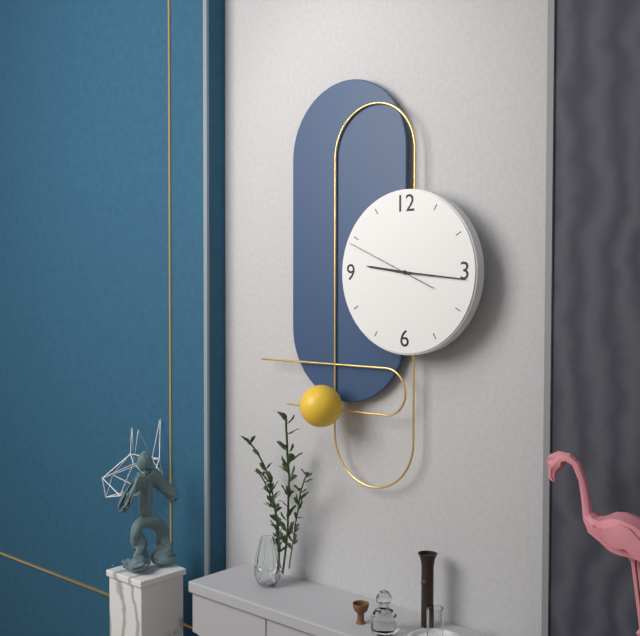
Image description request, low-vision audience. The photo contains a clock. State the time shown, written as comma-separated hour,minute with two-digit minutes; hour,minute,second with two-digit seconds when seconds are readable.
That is 9,16,49
